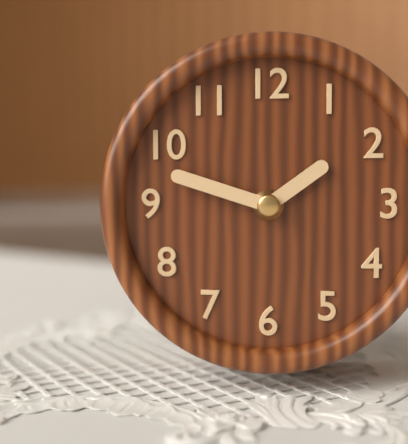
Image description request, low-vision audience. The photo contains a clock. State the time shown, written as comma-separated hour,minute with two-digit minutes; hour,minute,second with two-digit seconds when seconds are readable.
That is 1,48
